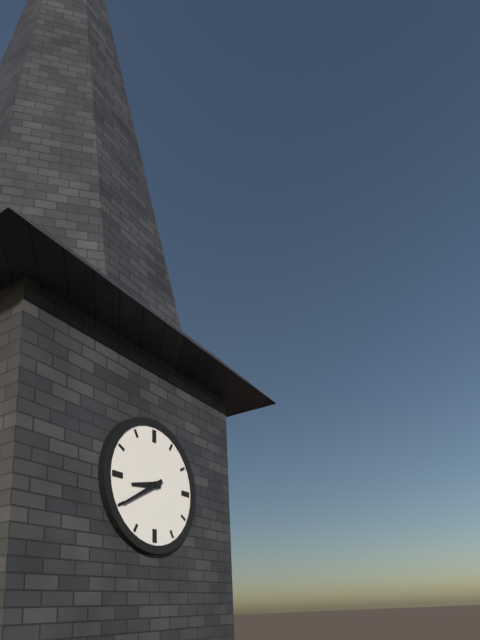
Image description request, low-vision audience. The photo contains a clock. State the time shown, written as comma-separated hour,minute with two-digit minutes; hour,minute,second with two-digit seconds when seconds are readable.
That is 8,40
